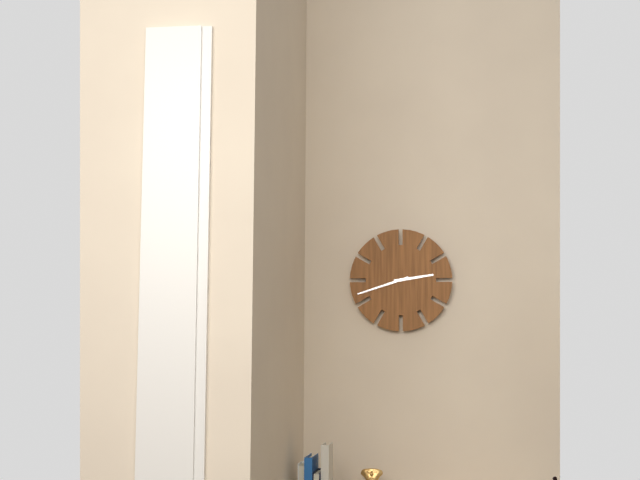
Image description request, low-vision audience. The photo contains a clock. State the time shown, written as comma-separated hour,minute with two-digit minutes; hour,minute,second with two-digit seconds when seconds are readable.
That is 2,42
